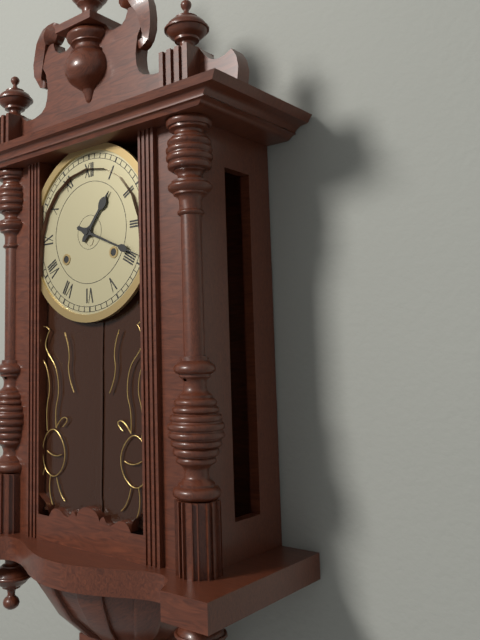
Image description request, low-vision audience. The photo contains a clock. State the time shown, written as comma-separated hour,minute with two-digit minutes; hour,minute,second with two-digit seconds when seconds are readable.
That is 1,19
